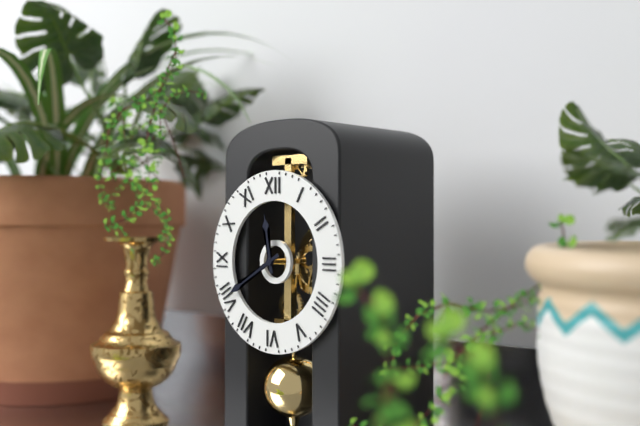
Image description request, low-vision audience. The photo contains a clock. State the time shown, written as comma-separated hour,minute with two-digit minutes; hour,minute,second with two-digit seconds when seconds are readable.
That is 11,40
